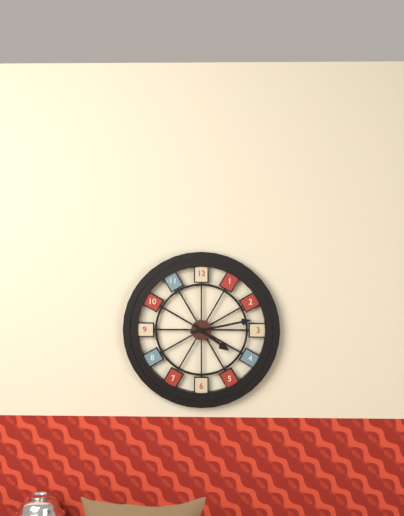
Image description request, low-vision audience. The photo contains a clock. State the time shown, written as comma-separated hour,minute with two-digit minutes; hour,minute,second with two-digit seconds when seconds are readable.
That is 4,13
